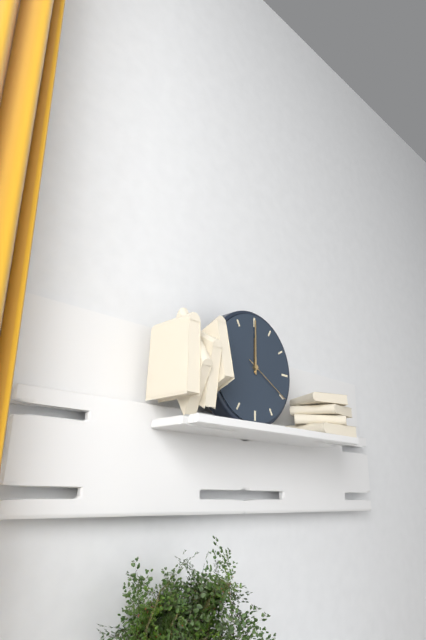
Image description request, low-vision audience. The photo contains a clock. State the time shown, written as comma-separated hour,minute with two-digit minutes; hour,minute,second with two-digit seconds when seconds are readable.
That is 12,00,20
